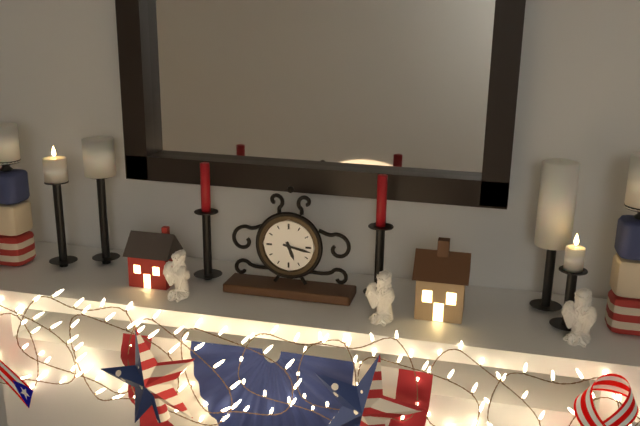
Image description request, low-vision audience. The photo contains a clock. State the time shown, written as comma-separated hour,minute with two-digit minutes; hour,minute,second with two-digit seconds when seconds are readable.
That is 5,17
